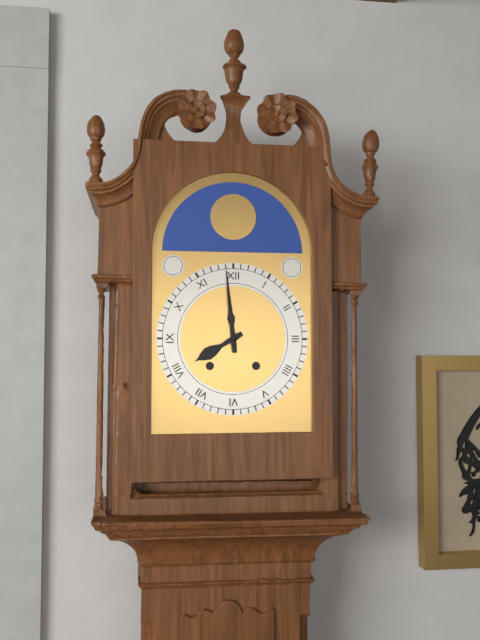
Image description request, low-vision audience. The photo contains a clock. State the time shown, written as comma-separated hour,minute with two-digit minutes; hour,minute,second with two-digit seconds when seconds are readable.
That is 7,59
